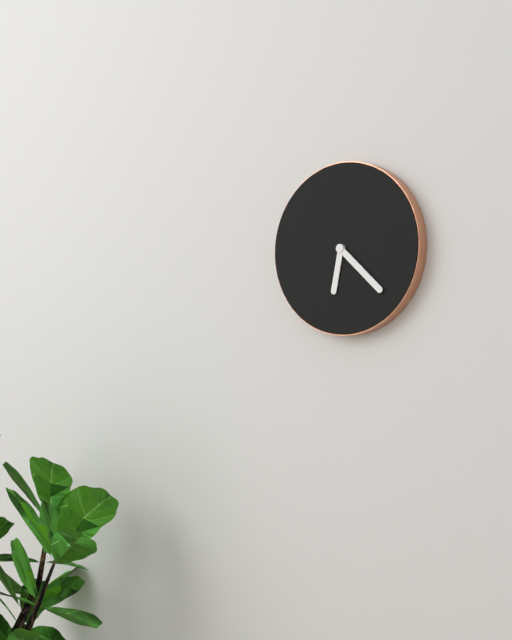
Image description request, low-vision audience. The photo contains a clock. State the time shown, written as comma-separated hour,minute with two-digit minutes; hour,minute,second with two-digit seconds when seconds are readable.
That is 6,22
